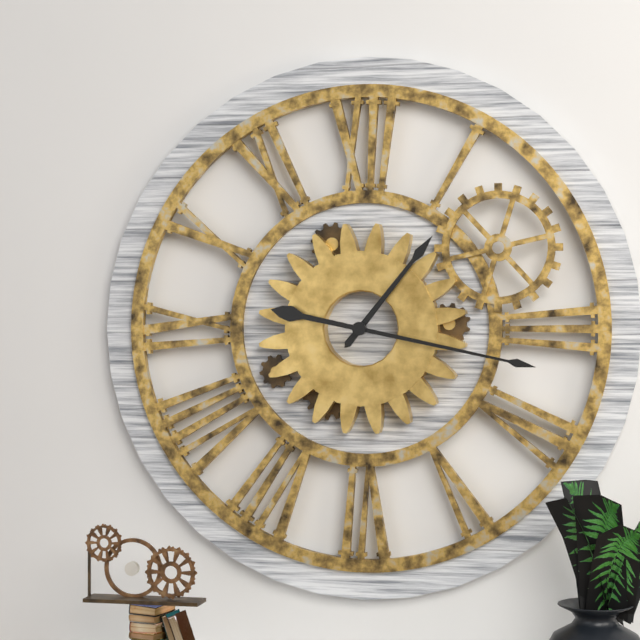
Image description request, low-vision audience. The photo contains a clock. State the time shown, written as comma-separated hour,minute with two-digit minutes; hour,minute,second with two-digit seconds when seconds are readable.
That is 1,17
